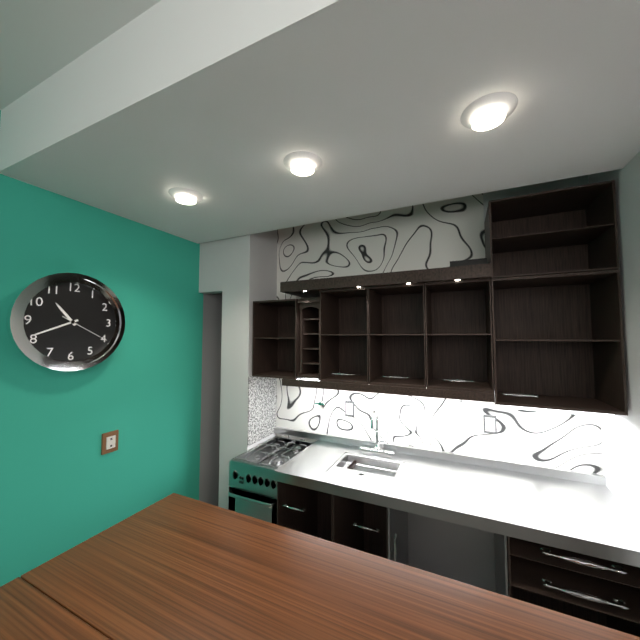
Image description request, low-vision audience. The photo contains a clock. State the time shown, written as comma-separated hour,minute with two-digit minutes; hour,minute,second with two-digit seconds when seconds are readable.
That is 10,41
